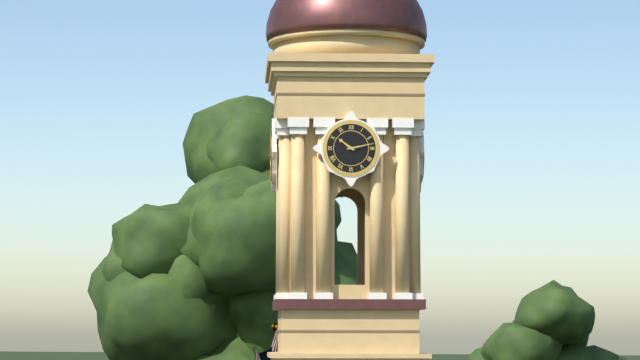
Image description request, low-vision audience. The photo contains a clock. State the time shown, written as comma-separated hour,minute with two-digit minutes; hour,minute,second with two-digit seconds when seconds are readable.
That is 10,13
